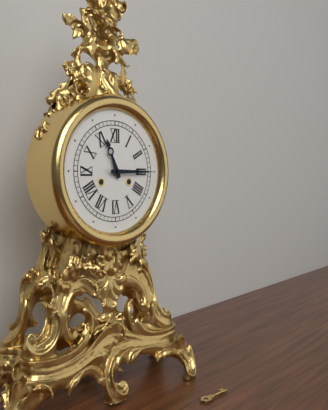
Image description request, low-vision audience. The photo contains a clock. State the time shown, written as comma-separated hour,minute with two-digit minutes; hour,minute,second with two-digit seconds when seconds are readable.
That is 11,15
